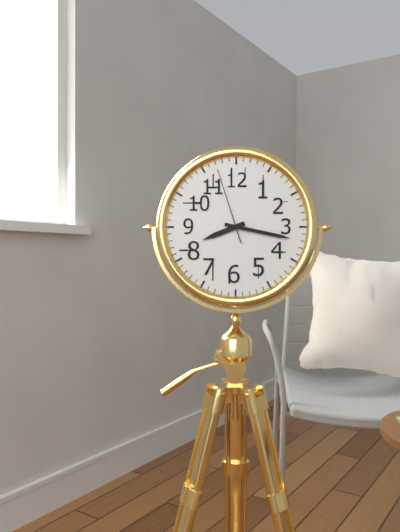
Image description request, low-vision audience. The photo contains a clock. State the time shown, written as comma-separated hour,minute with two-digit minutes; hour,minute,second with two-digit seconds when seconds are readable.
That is 8,17,57
